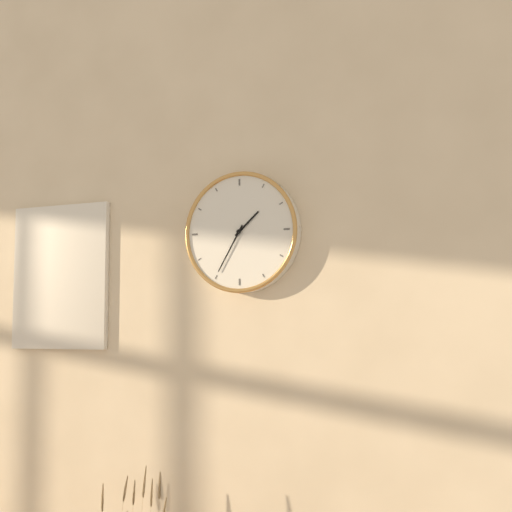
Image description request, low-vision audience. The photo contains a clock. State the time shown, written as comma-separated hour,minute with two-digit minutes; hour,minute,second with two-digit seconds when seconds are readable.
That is 1,35
